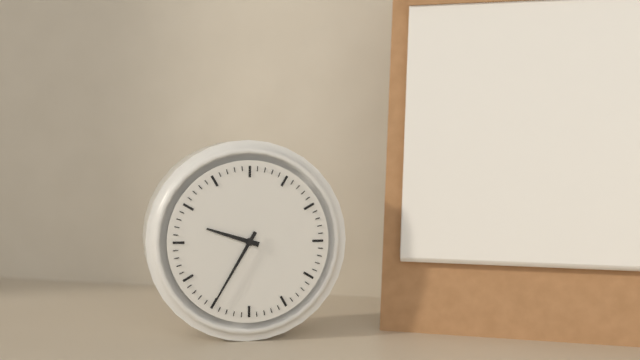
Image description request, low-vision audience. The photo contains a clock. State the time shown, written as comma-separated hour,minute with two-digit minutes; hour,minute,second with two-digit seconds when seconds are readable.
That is 9,35
